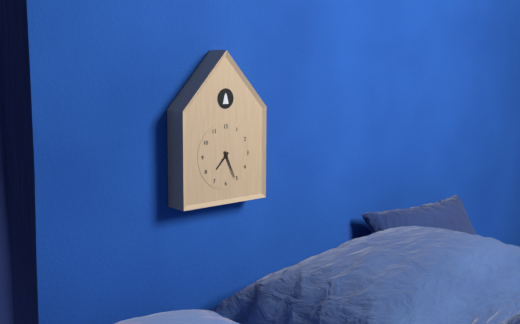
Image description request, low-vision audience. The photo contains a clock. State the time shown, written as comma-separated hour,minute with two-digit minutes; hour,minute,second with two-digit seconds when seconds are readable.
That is 7,26
